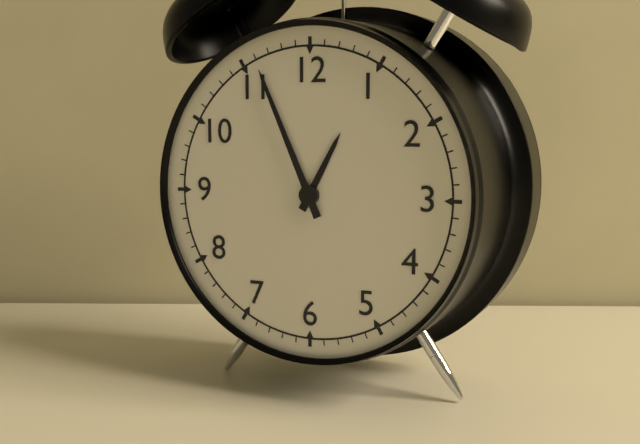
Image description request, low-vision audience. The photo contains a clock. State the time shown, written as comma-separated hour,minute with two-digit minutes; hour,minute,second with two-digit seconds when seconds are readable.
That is 12,56
